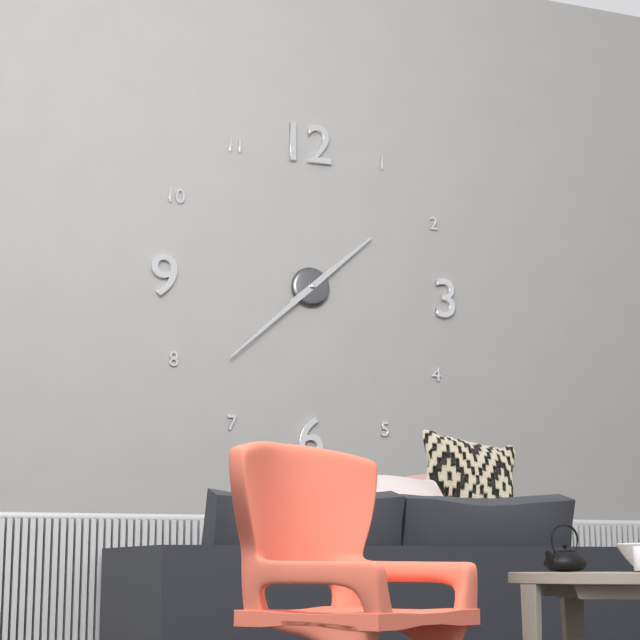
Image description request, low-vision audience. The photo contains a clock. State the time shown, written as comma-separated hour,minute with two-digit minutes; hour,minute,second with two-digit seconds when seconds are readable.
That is 1,38
